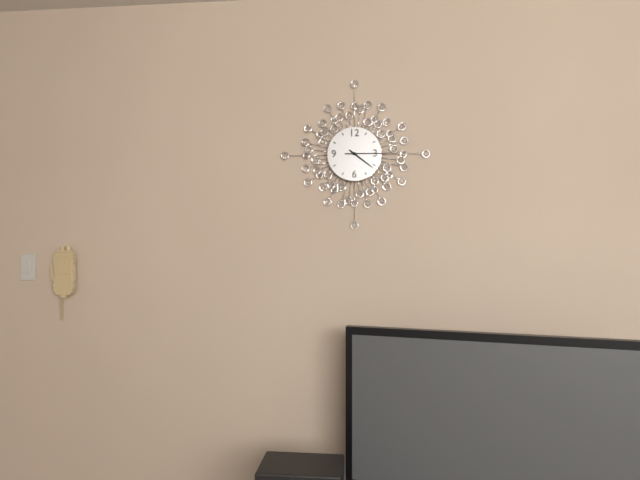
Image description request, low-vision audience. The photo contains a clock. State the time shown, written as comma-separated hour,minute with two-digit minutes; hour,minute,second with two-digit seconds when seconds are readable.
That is 4,15
